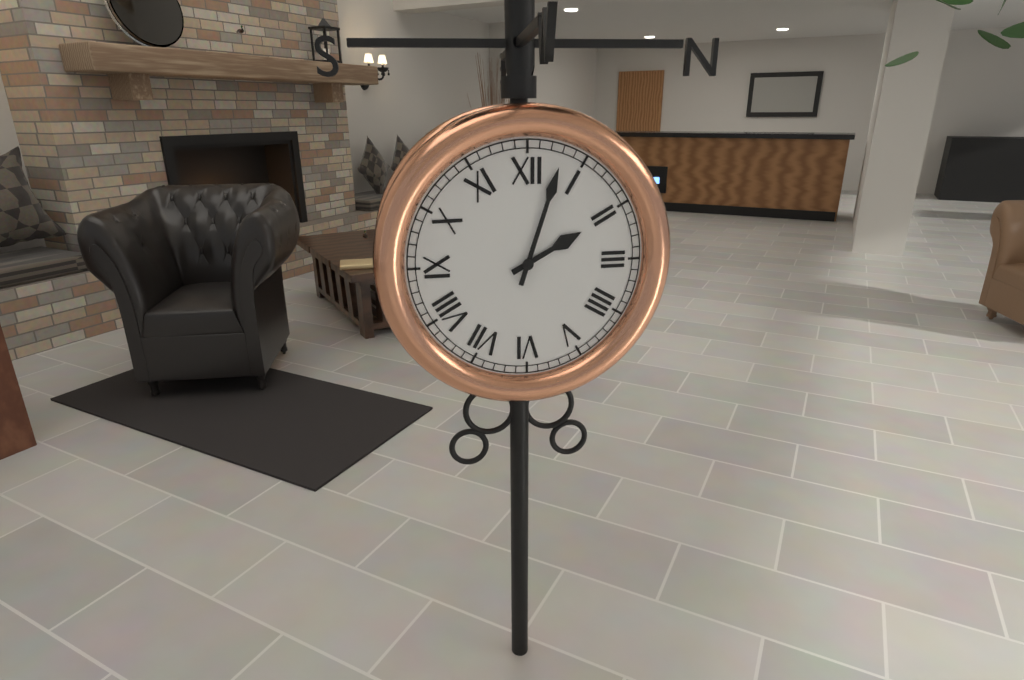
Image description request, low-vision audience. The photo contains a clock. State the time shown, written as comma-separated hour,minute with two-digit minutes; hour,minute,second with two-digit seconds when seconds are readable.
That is 2,03
